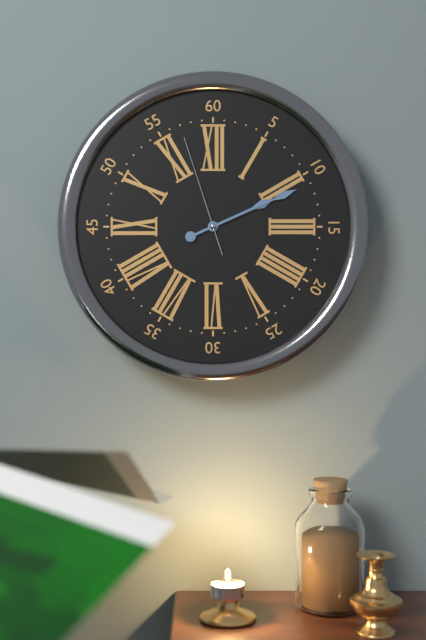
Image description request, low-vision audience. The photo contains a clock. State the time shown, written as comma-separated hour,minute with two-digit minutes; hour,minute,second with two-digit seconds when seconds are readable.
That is 2,11,57
